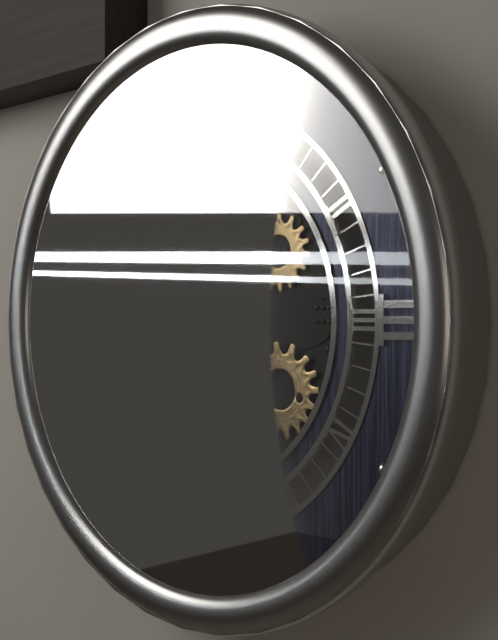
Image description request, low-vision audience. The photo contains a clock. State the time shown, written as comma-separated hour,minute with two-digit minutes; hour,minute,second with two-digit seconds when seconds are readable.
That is 7,33
